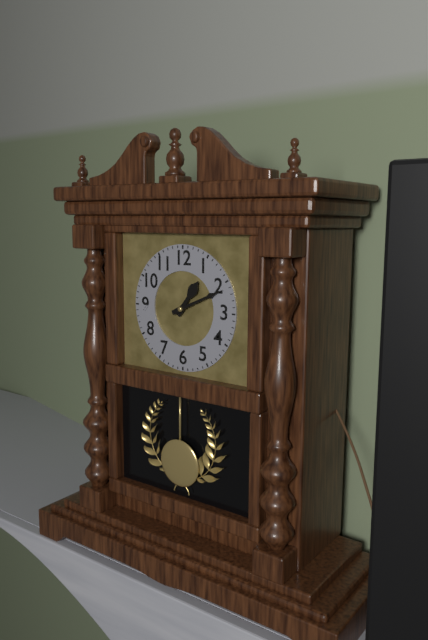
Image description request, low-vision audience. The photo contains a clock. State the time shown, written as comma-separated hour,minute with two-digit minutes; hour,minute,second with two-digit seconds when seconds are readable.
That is 1,11
